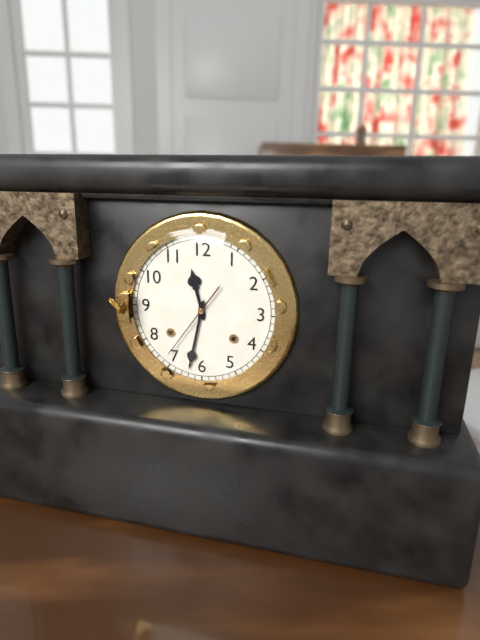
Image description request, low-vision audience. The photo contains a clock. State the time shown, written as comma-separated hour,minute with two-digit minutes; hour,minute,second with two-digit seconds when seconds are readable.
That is 11,32,36
